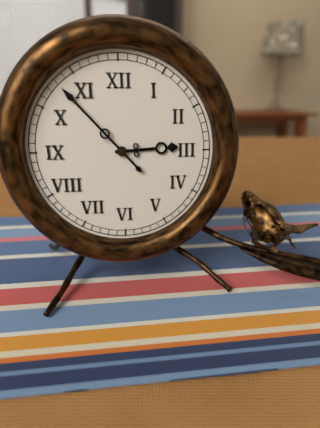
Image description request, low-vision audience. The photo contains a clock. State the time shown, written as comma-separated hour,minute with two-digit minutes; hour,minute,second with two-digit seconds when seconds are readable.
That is 2,53
